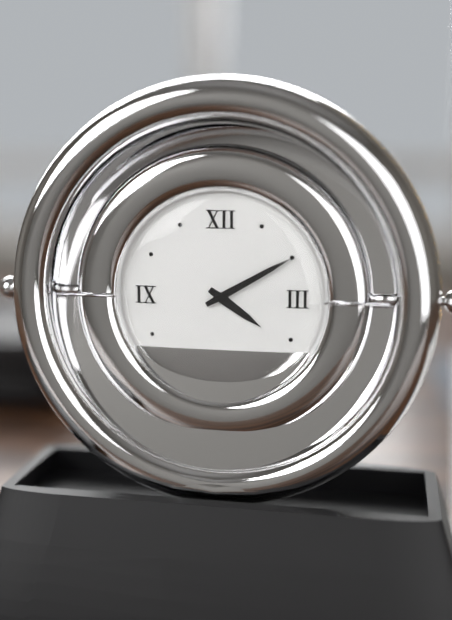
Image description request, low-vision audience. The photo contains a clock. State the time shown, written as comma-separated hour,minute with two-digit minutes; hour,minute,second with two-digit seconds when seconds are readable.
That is 4,10
